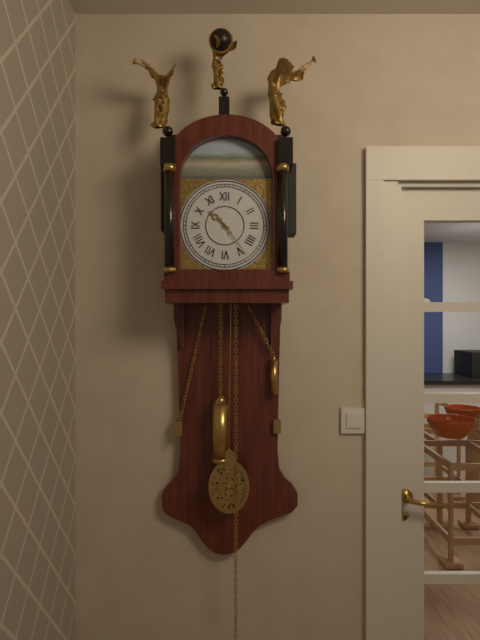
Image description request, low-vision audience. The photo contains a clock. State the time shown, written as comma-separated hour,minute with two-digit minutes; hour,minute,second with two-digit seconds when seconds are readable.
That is 10,24
